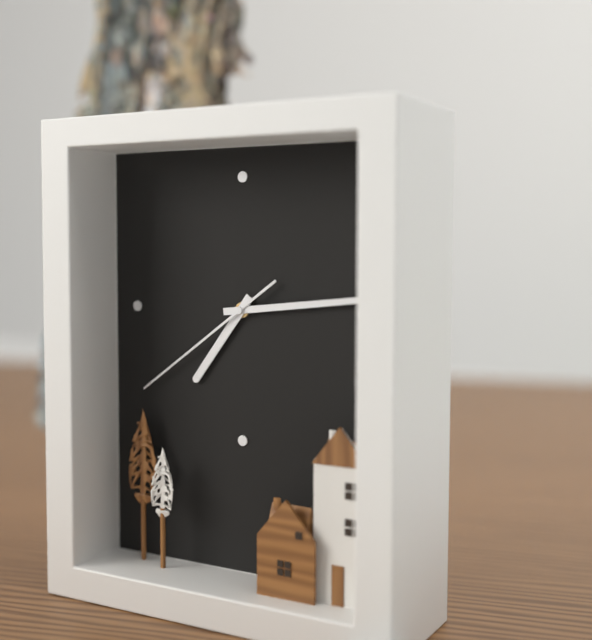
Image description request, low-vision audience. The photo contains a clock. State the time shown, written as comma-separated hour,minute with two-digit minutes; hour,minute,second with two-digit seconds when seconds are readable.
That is 7,14,39
